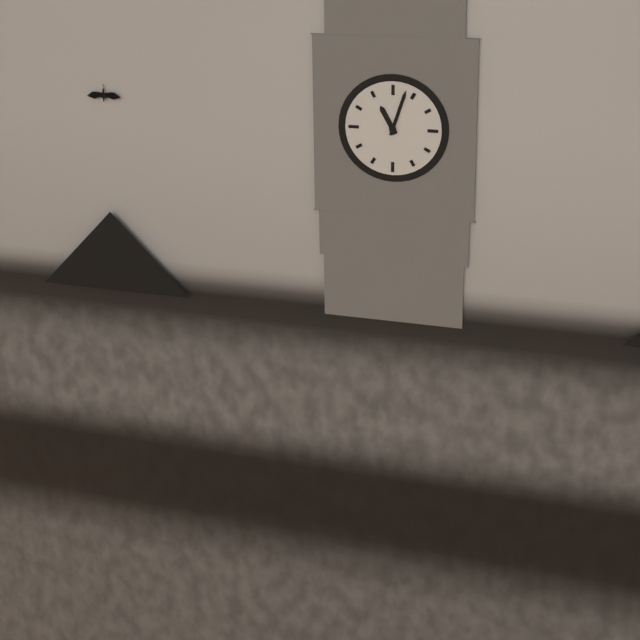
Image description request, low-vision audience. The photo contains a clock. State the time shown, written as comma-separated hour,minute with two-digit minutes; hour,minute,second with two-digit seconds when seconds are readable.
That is 11,03
